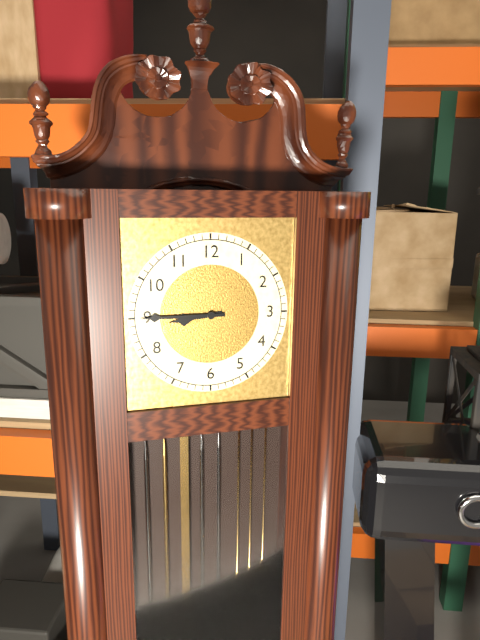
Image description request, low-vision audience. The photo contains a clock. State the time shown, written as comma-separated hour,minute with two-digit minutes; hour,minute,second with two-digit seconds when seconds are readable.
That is 8,45
